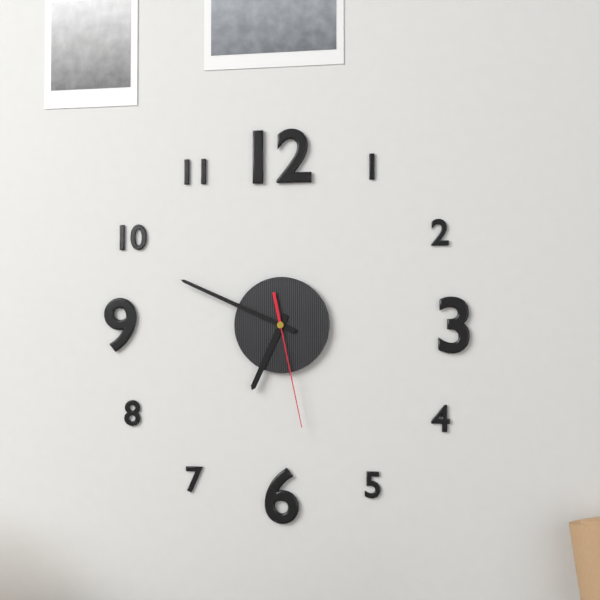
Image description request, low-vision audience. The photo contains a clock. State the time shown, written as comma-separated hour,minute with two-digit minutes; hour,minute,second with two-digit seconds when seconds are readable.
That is 6,49,28
